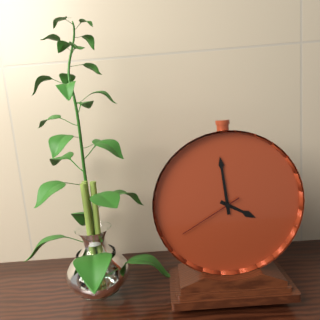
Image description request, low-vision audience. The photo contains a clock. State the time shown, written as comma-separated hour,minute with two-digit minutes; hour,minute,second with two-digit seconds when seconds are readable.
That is 3,59,40
